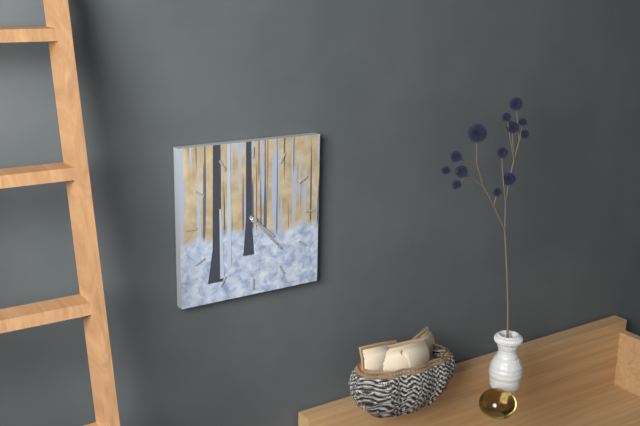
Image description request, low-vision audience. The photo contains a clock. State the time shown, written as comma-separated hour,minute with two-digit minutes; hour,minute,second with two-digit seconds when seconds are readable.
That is 4,23
